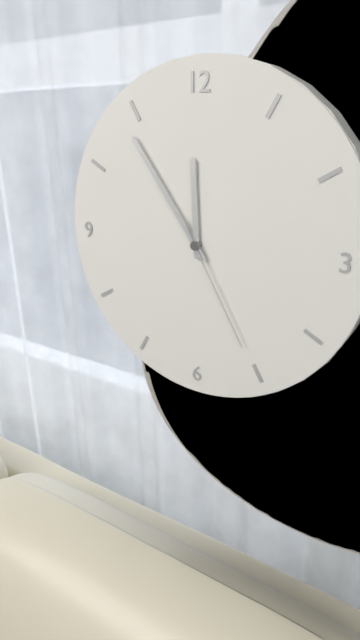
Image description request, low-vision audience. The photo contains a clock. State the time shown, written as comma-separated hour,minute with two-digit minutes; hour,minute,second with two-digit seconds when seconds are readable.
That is 11,54,25
